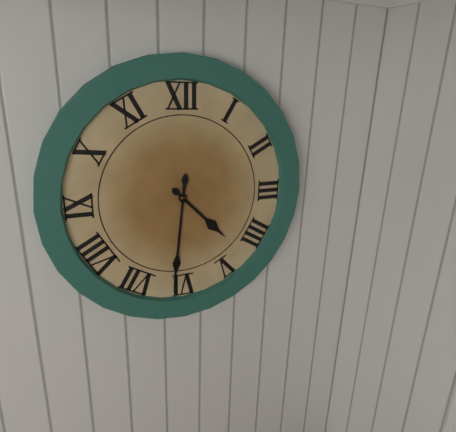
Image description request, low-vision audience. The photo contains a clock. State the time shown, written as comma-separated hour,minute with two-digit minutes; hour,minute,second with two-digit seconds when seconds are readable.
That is 4,31
